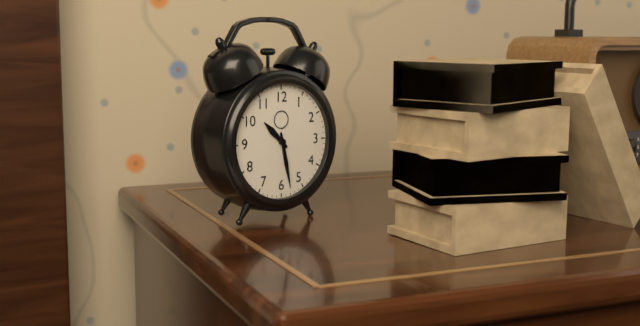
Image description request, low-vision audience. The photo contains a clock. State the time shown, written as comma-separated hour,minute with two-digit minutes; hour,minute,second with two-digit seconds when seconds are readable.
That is 10,28
